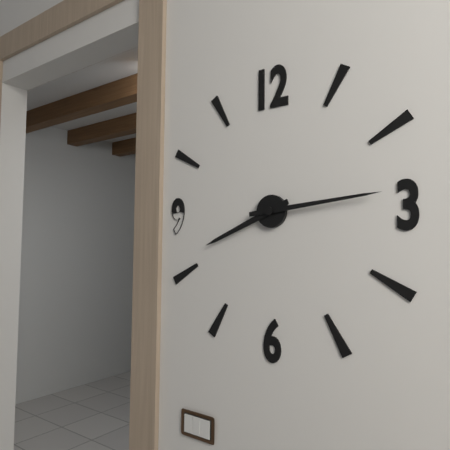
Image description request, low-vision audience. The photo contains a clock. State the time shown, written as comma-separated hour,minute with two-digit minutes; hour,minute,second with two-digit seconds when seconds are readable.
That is 8,14
